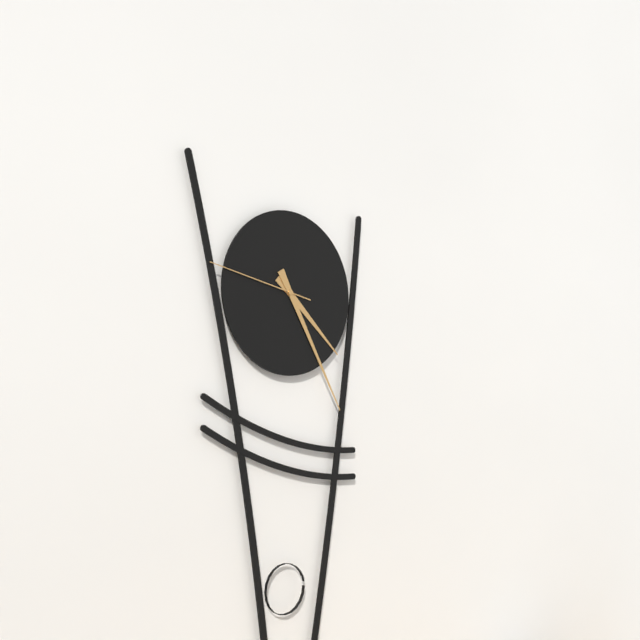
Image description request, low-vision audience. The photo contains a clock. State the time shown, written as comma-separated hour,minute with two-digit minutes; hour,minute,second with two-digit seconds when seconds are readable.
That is 4,25,47
